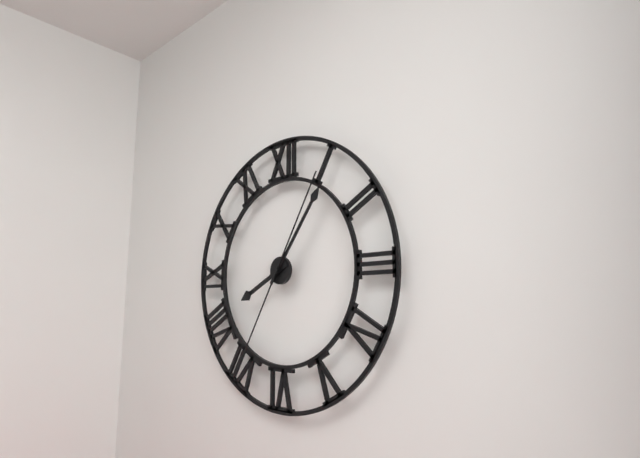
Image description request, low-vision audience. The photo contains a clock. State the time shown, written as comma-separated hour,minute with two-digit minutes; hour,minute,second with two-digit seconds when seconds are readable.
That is 8,06,35
